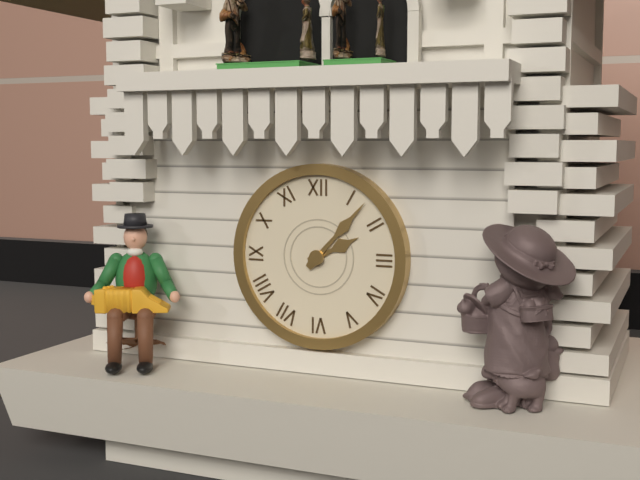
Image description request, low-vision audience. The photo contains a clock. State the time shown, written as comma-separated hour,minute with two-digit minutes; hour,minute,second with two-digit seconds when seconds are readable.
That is 2,07
